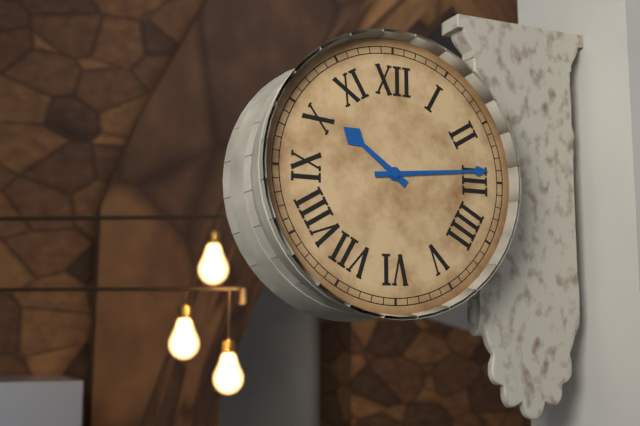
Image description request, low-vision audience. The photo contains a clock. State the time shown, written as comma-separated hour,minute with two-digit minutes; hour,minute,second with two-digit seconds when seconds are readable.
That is 10,14
